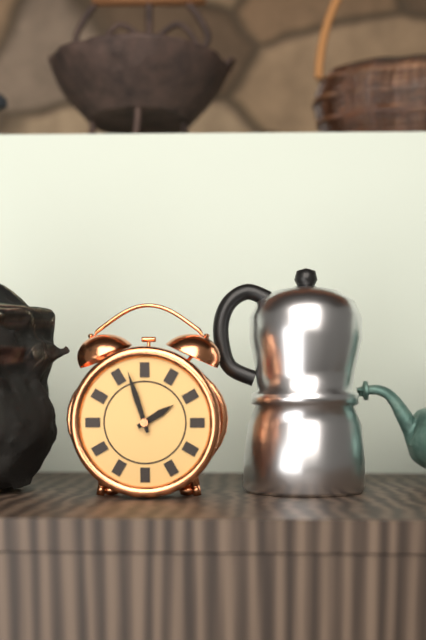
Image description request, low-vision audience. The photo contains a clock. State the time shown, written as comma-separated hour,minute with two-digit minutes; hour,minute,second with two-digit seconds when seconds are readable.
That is 1,57
